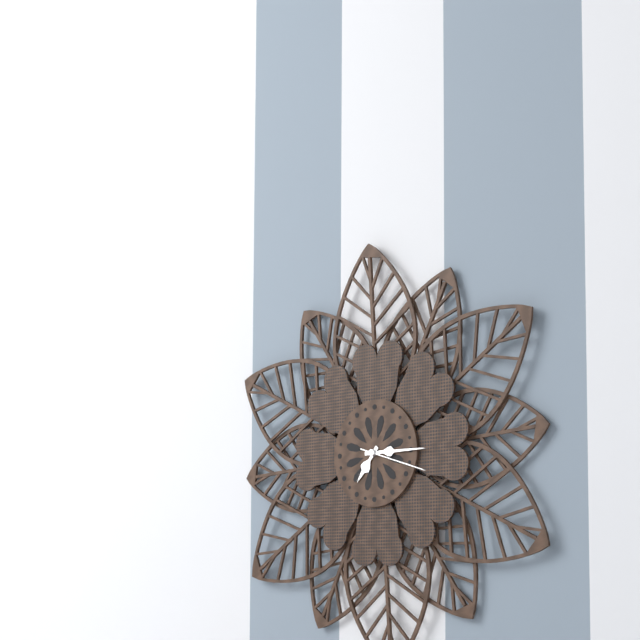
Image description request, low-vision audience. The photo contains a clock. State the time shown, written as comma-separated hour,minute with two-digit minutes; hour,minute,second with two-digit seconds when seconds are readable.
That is 7,15,18
